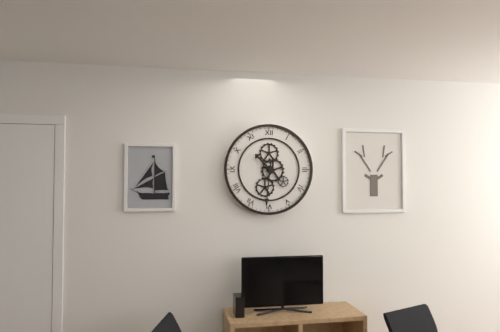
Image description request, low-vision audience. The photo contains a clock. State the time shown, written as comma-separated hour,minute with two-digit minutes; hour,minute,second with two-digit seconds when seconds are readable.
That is 10,31
